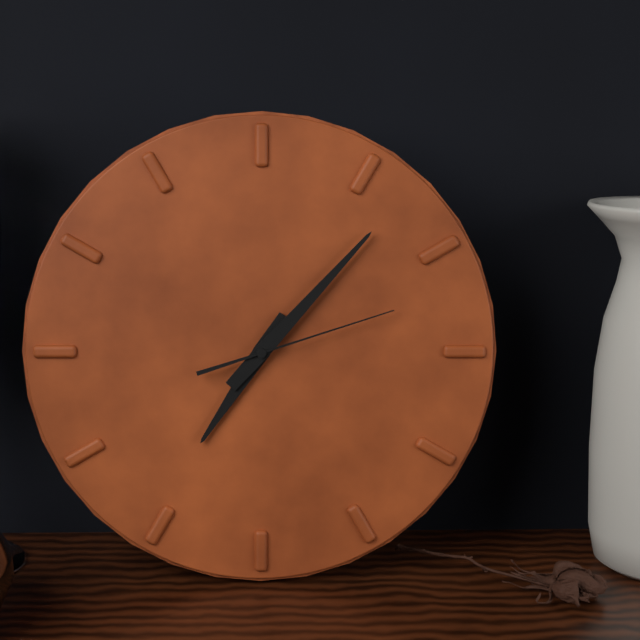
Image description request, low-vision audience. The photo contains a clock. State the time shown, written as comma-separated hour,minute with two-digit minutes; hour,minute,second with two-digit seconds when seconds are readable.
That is 7,07,12
